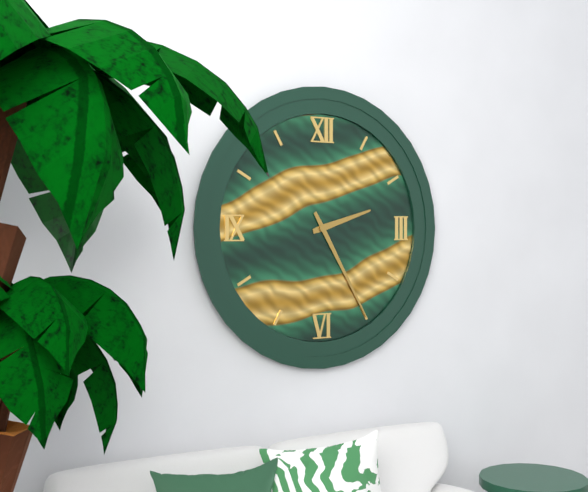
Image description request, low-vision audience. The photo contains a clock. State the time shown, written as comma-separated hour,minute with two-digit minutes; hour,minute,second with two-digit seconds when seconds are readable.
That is 2,25
